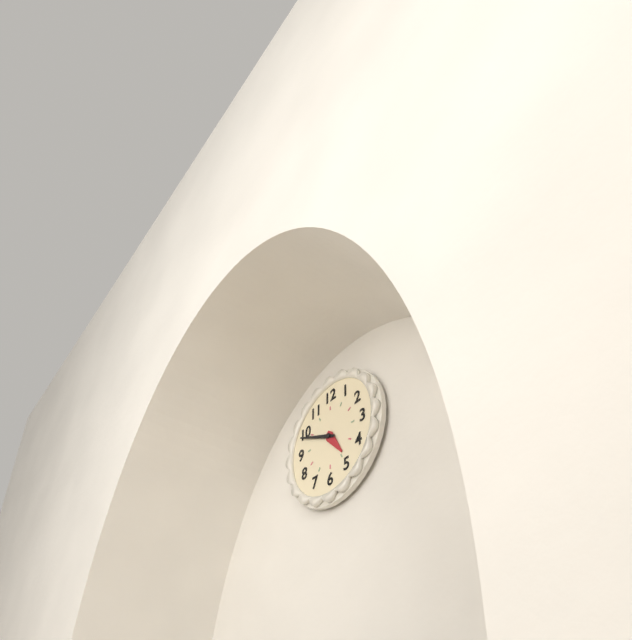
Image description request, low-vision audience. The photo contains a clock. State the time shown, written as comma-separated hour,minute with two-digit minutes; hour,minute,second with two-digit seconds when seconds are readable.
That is 4,49
